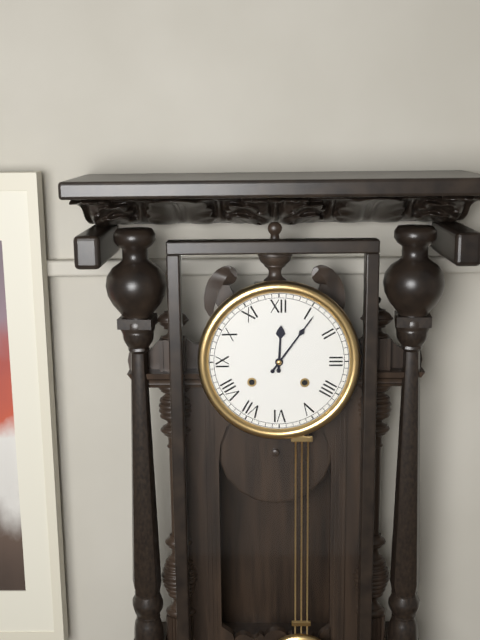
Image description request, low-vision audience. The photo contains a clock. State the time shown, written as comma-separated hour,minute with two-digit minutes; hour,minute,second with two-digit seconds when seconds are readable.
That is 12,06
